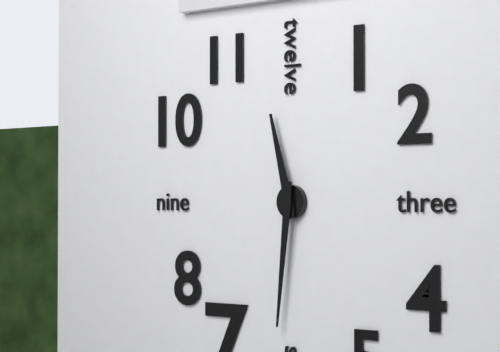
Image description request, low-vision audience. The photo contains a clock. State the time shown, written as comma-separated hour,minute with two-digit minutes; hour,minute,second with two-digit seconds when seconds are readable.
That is 11,31
